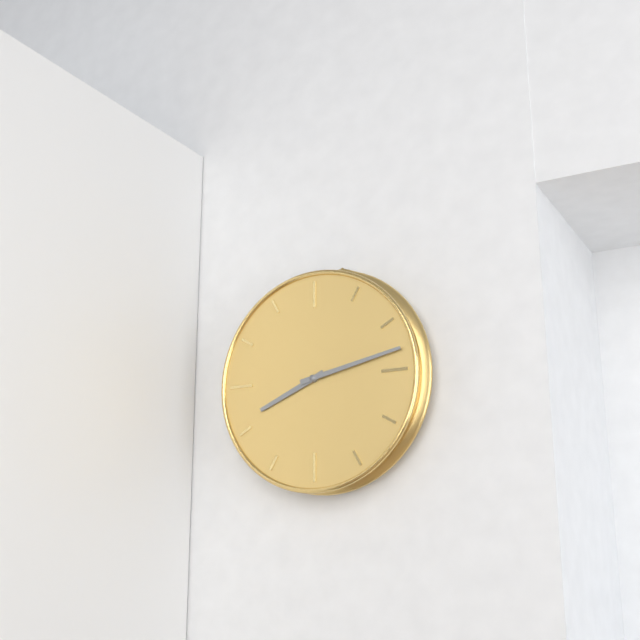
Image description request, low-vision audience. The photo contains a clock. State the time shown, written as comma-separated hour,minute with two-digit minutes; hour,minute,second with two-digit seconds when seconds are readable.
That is 8,13
